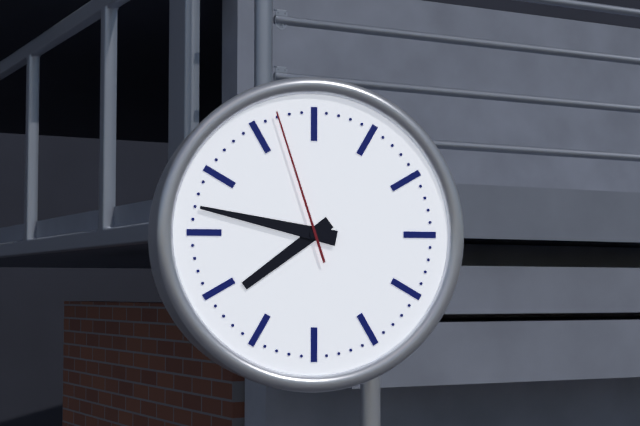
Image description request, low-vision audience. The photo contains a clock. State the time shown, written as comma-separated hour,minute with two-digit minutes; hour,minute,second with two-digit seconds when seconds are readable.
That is 7,47,57
